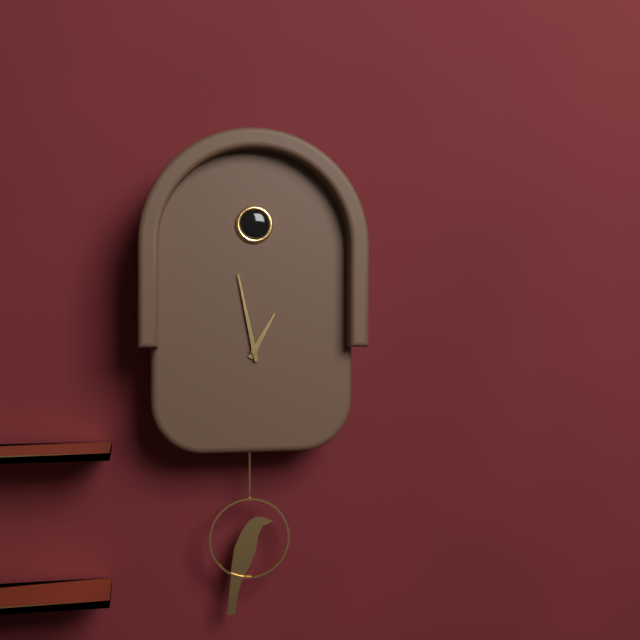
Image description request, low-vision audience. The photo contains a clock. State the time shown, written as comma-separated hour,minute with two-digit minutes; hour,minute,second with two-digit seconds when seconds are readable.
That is 12,58
